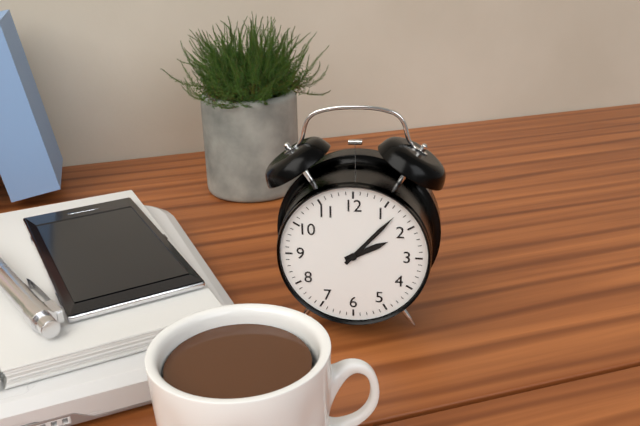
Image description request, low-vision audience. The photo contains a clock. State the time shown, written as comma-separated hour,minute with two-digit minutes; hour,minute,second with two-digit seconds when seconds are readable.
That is 2,07
